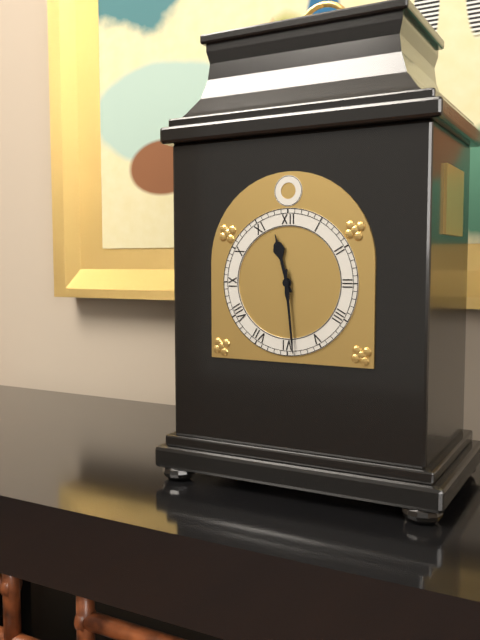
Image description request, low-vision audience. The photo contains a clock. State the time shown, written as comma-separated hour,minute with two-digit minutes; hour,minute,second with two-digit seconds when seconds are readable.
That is 11,29
